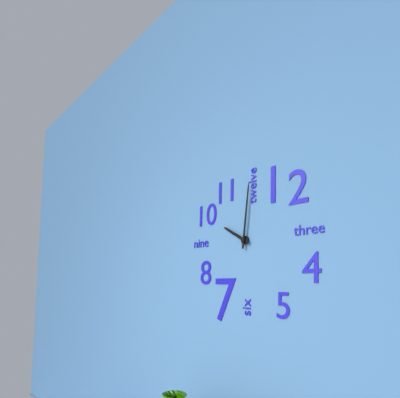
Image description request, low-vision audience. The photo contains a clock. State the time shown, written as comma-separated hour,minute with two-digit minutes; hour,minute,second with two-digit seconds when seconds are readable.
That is 10,01
